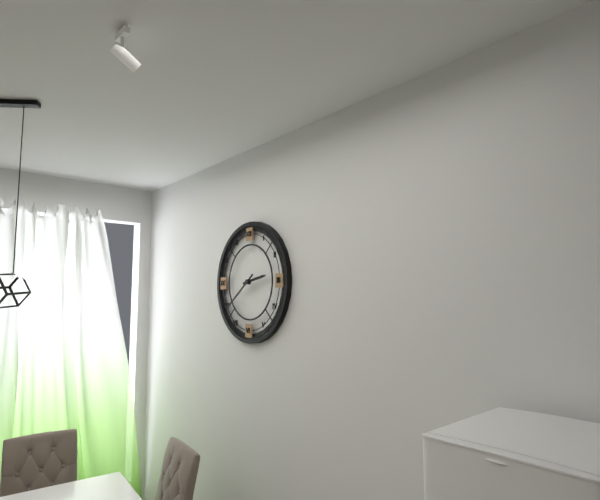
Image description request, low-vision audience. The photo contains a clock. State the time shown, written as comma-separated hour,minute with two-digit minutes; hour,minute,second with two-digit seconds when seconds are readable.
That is 2,39
